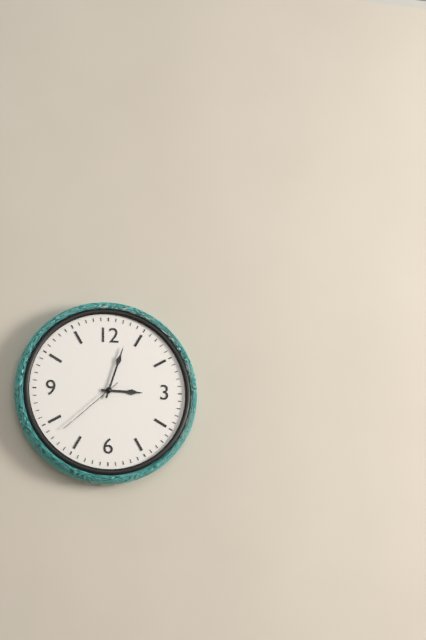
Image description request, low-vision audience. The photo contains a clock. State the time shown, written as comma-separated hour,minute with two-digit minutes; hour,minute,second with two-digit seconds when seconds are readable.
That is 3,03,38
